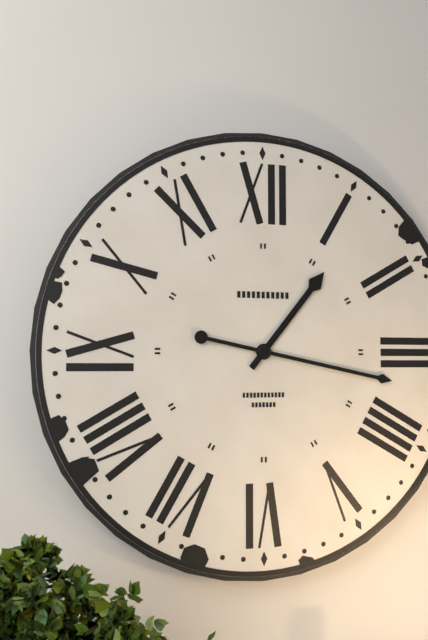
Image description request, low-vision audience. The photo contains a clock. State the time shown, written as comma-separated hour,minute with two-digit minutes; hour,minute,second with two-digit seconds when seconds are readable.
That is 1,17
